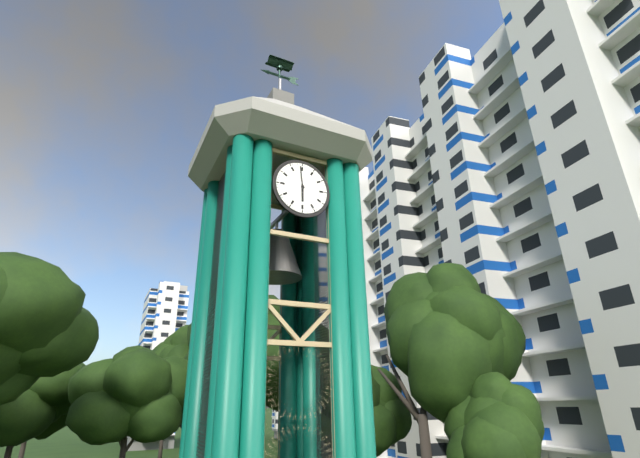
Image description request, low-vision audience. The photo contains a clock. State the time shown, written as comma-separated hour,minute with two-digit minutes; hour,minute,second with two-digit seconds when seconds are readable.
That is 5,59
